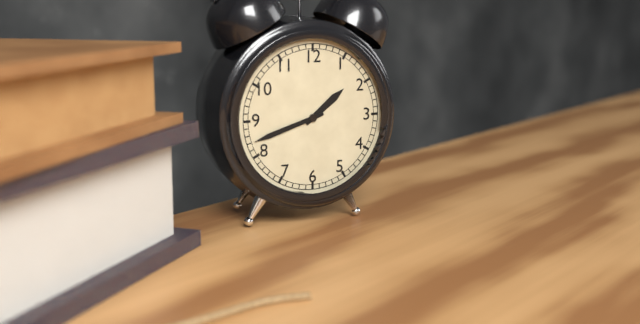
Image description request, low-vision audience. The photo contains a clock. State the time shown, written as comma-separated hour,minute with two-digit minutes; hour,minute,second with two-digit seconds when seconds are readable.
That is 1,42
